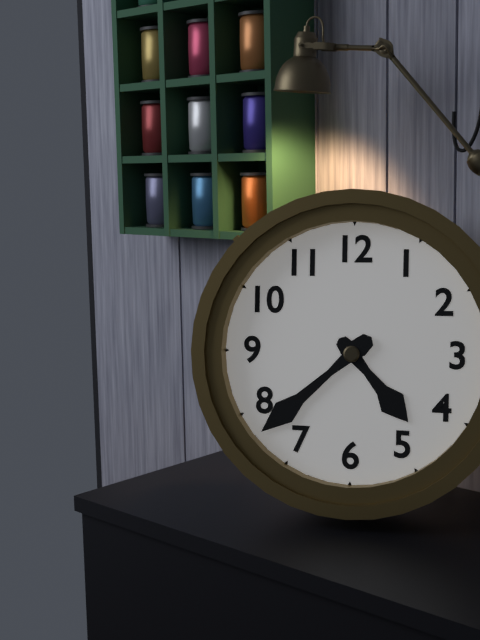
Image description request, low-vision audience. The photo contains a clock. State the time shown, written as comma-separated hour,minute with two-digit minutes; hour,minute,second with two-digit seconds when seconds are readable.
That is 4,38
